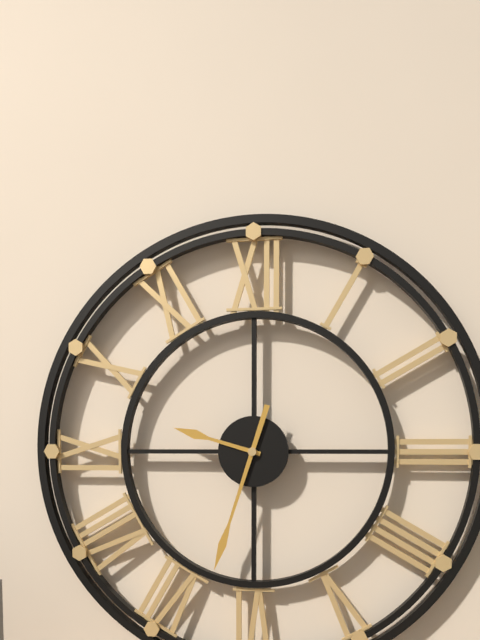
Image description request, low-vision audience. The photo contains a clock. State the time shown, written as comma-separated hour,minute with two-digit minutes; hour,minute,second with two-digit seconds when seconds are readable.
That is 9,33
